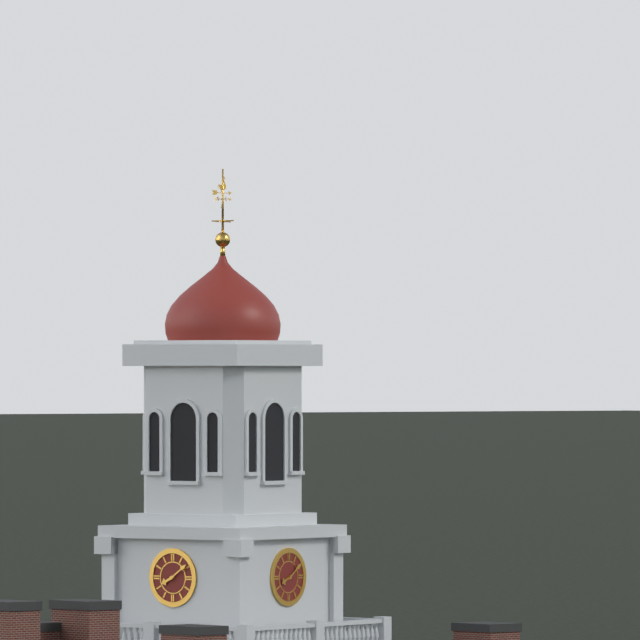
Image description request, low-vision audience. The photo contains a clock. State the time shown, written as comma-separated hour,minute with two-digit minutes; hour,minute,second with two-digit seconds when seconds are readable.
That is 8,09
